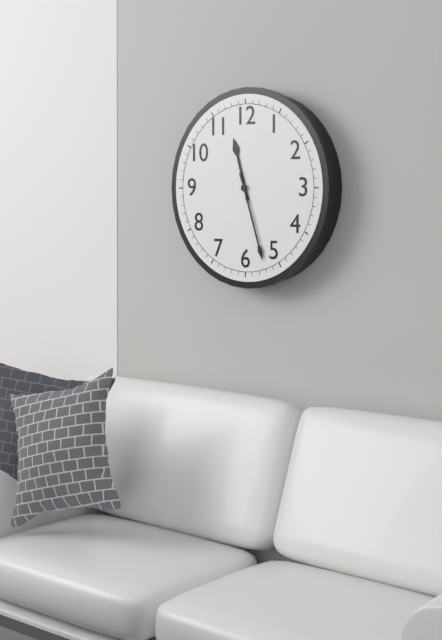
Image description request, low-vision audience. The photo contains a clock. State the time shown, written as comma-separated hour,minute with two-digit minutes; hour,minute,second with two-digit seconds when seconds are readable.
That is 11,27
